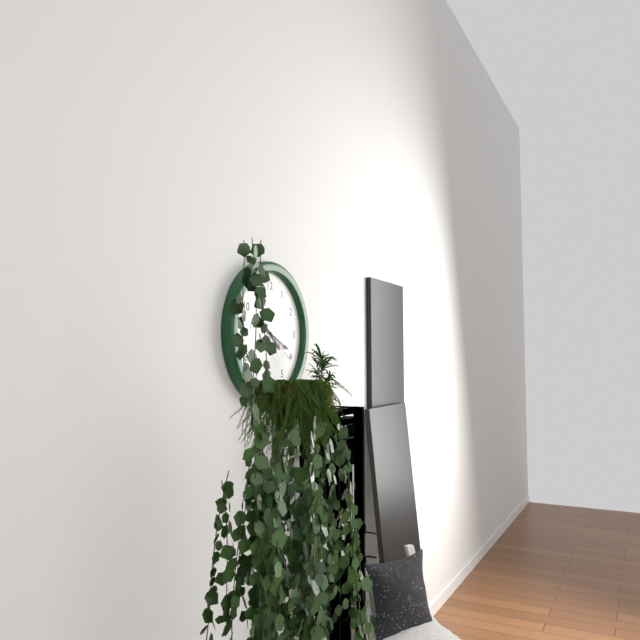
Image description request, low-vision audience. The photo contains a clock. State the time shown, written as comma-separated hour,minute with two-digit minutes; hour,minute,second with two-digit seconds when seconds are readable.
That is 4,19
